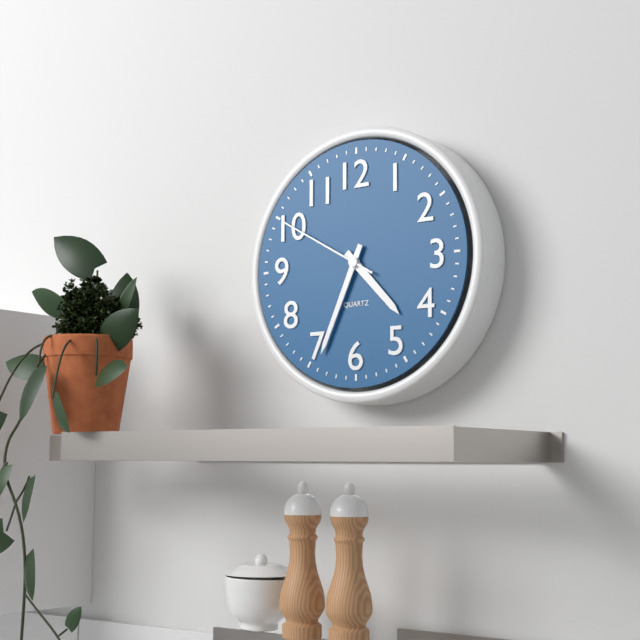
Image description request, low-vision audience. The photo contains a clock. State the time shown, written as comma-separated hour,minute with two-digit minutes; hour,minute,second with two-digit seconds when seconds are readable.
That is 4,34,50
